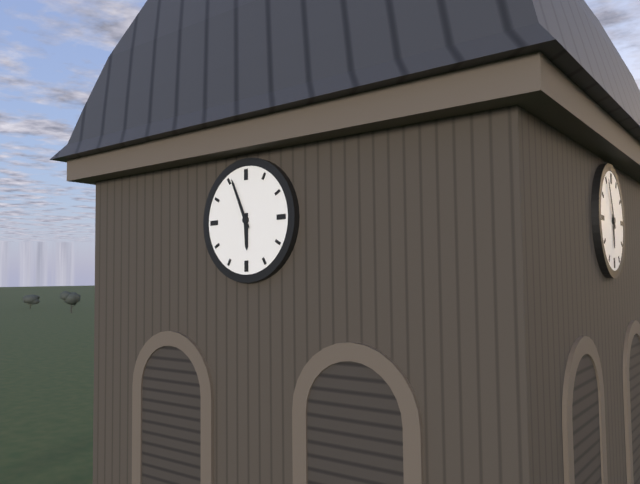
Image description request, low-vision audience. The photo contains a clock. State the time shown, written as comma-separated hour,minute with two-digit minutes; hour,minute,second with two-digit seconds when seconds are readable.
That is 5,56
